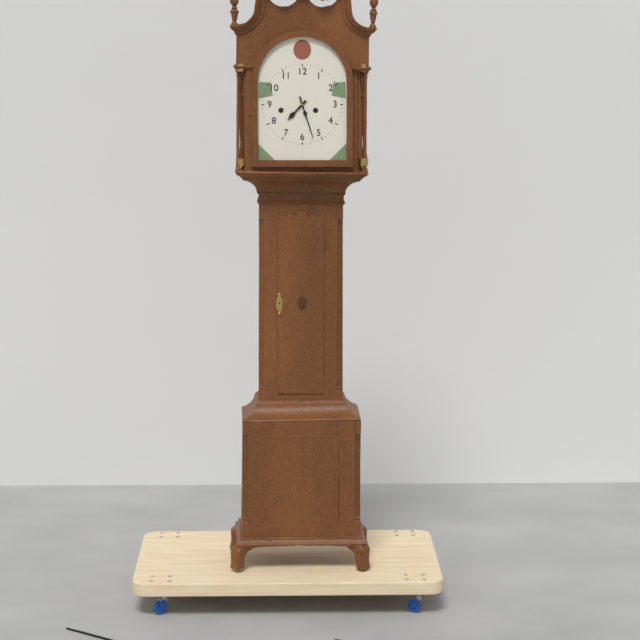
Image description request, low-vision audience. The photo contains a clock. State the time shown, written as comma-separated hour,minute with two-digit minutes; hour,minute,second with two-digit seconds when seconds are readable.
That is 7,27
